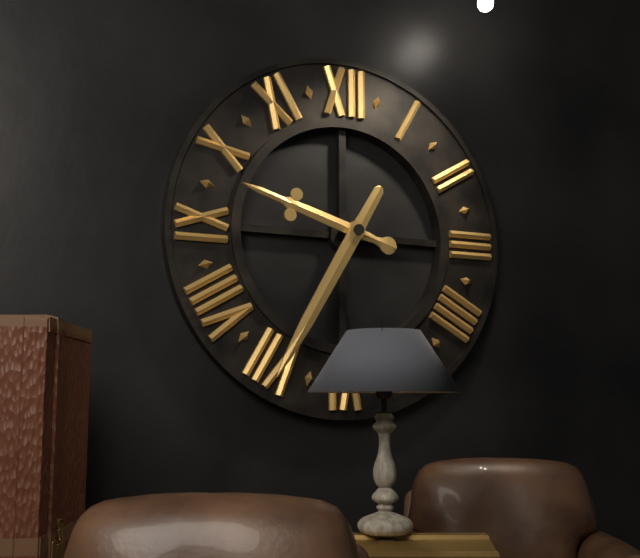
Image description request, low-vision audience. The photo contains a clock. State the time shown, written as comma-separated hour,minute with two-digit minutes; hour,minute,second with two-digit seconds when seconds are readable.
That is 9,35
